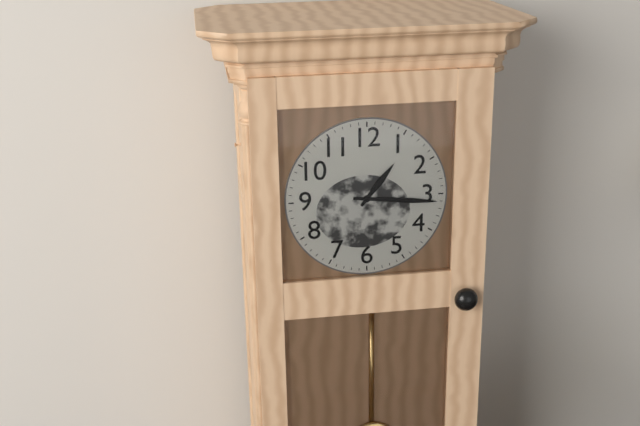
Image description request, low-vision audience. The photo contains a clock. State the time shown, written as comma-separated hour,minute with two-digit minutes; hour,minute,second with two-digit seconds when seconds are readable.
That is 1,16
